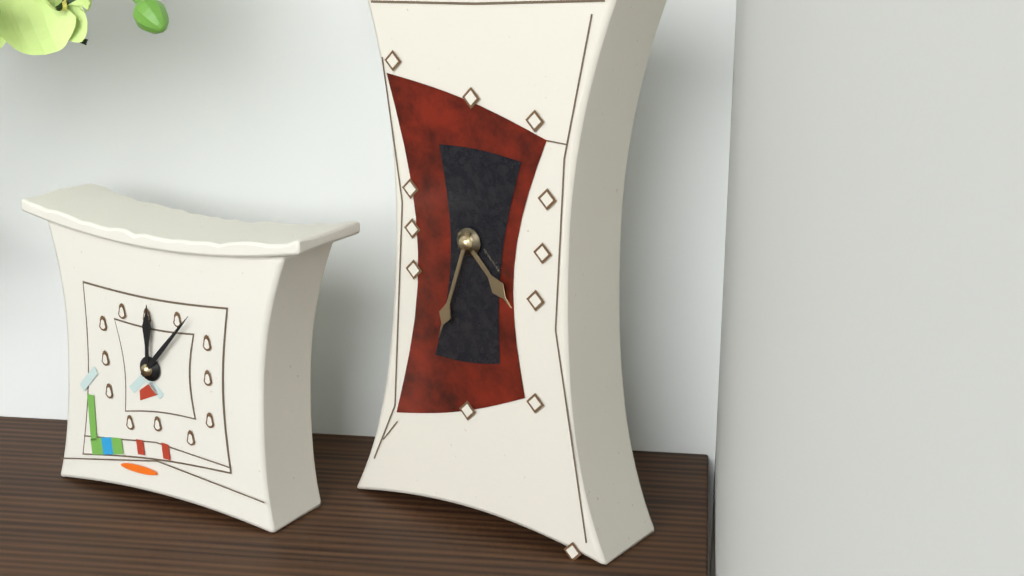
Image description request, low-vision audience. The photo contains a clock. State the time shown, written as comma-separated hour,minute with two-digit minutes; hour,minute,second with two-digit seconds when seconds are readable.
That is 4,33
